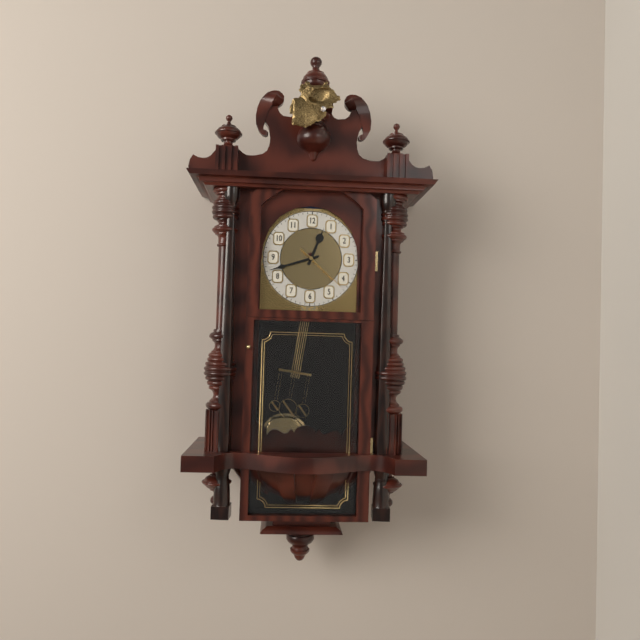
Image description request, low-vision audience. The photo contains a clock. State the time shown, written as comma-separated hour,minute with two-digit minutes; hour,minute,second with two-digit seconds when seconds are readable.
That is 12,42,22
